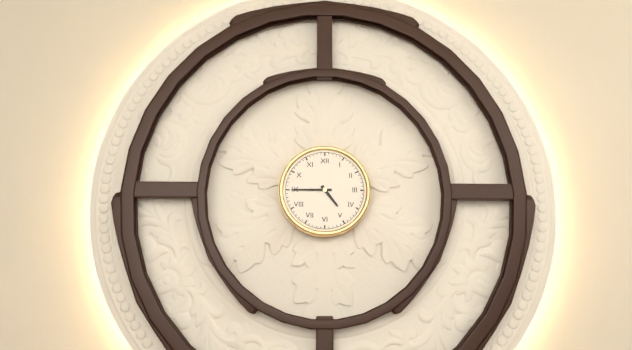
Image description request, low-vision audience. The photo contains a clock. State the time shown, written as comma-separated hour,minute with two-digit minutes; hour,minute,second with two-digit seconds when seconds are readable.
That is 4,45
